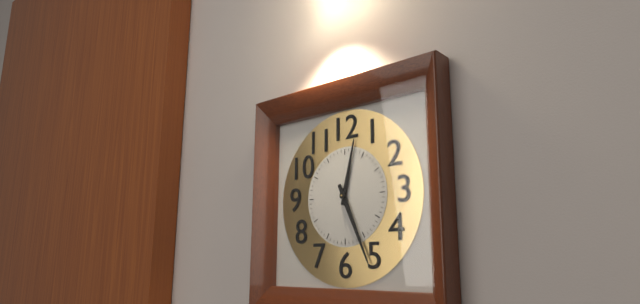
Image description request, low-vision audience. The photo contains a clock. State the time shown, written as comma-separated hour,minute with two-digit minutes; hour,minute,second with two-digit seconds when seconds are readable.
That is 12,26
